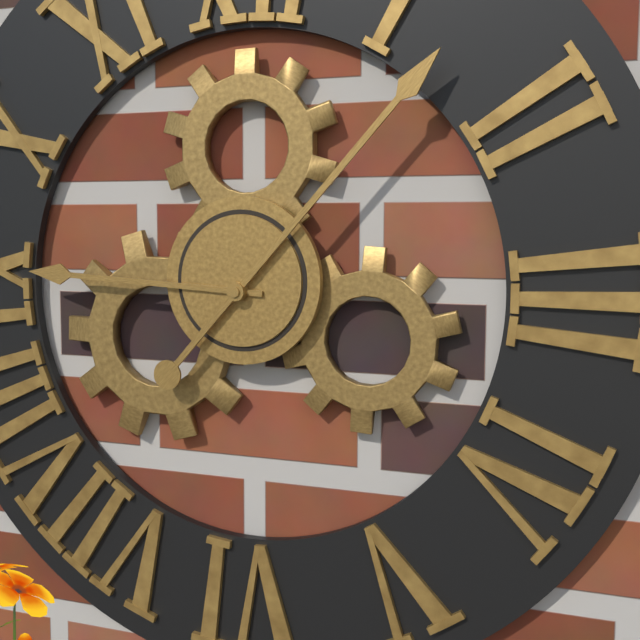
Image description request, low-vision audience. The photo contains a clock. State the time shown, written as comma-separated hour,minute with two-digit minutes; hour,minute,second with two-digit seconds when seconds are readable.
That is 9,07
